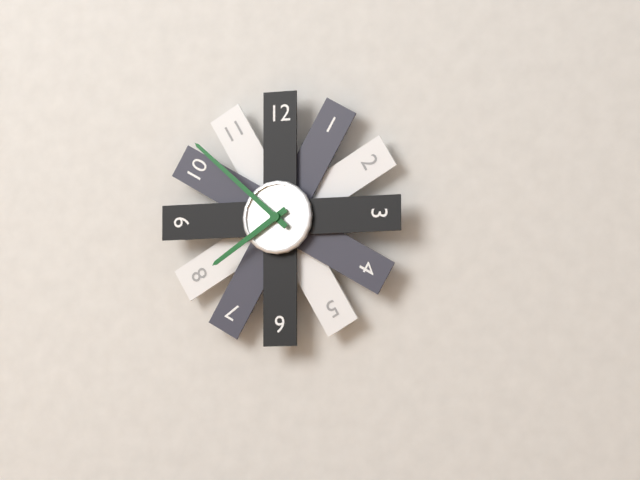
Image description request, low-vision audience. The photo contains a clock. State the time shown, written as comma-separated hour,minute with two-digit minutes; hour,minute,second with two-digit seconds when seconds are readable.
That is 7,52
